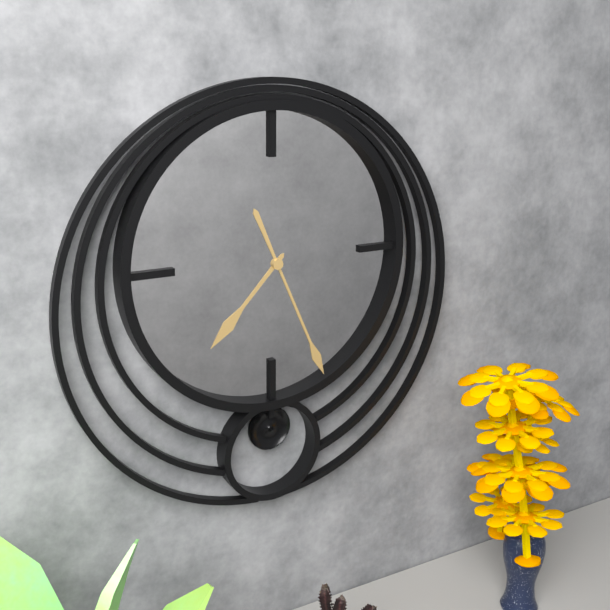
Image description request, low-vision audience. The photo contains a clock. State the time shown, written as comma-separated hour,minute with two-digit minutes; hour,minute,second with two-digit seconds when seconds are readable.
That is 7,26
